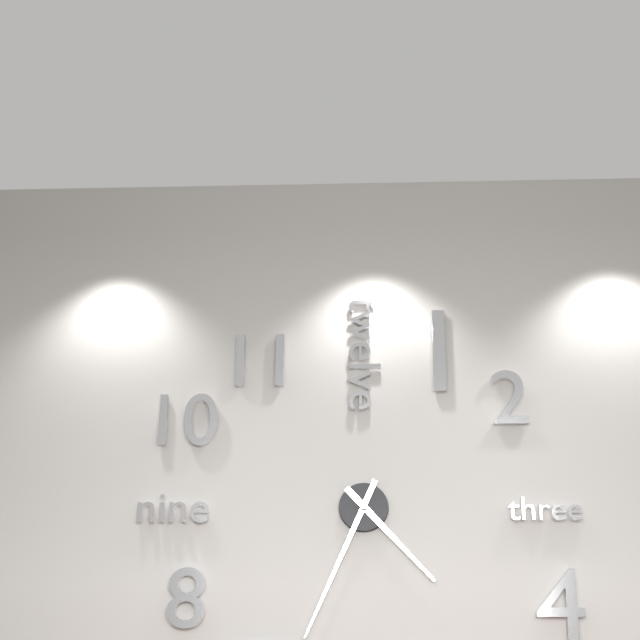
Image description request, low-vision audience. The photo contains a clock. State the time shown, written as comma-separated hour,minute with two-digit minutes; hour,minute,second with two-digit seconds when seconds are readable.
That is 4,34
